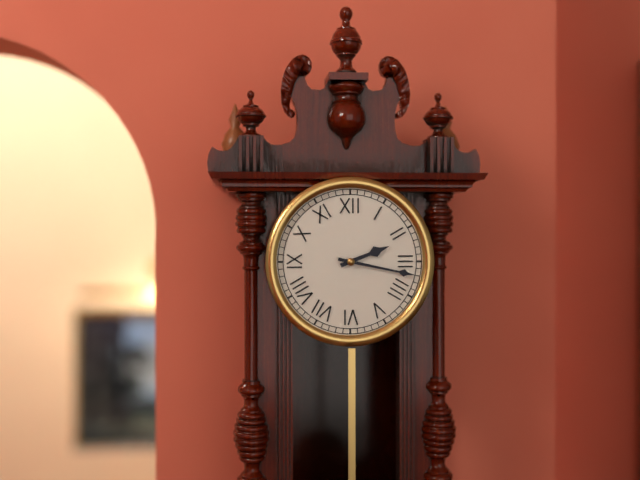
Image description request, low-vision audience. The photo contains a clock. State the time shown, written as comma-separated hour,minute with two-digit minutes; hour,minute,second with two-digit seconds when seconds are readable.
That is 2,17
